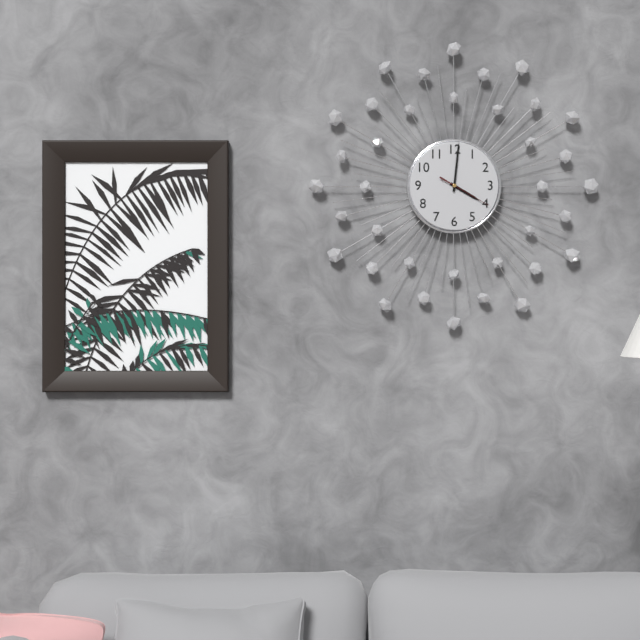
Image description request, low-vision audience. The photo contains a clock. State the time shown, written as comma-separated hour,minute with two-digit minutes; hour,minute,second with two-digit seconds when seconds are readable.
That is 4,01,20
